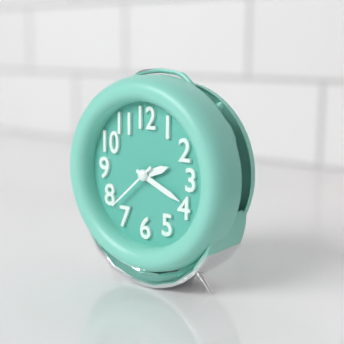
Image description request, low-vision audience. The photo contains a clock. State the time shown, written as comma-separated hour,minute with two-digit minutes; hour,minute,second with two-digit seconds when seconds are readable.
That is 2,19,38
